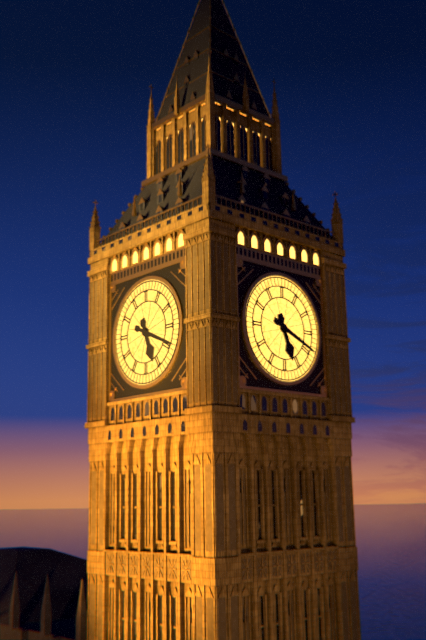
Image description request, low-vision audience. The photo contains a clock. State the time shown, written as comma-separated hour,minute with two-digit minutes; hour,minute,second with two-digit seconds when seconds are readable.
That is 5,19
